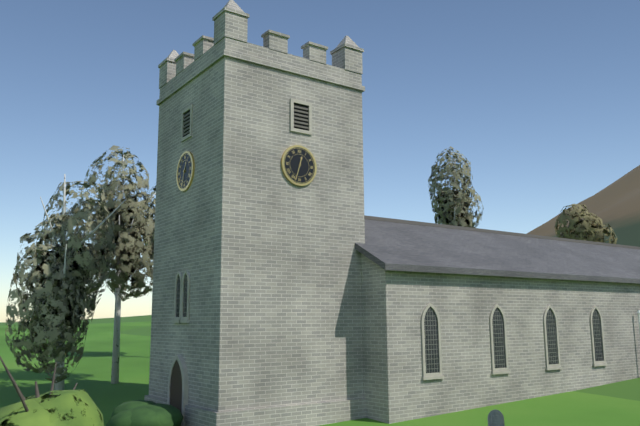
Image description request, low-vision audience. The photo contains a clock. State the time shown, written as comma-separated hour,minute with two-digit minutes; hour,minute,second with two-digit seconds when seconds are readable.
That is 12,33
